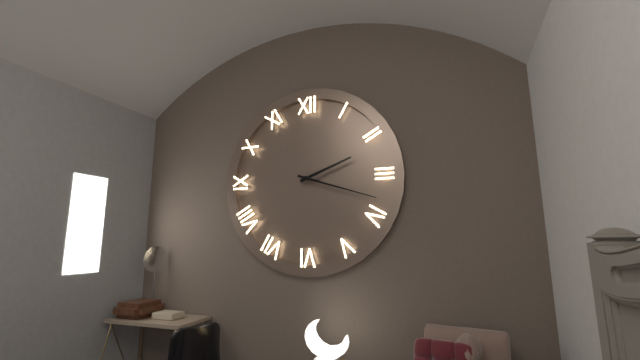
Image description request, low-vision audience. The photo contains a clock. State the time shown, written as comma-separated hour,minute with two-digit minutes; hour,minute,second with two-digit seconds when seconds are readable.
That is 2,18
